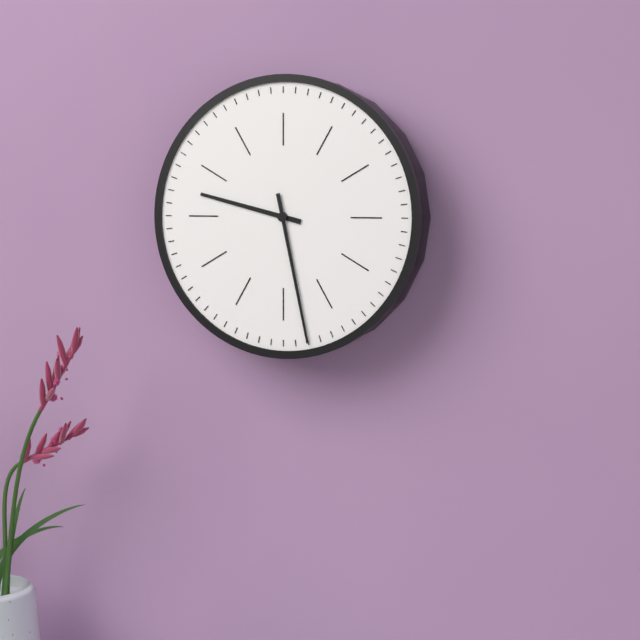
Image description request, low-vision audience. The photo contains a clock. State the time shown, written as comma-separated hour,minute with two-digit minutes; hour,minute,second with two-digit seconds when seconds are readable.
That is 9,28
